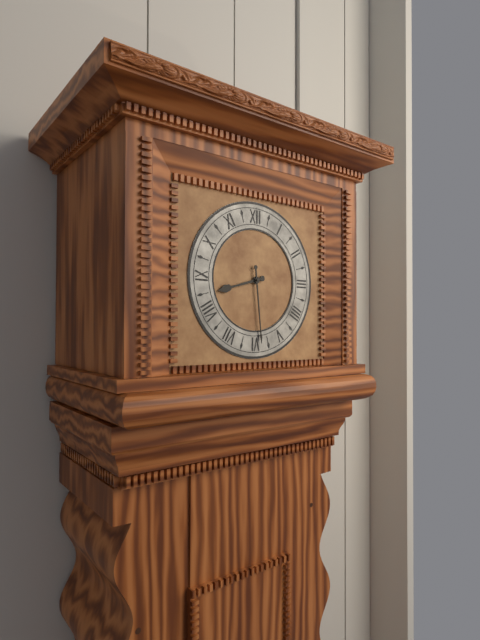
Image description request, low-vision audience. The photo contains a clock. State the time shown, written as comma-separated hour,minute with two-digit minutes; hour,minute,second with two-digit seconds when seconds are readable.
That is 8,29
